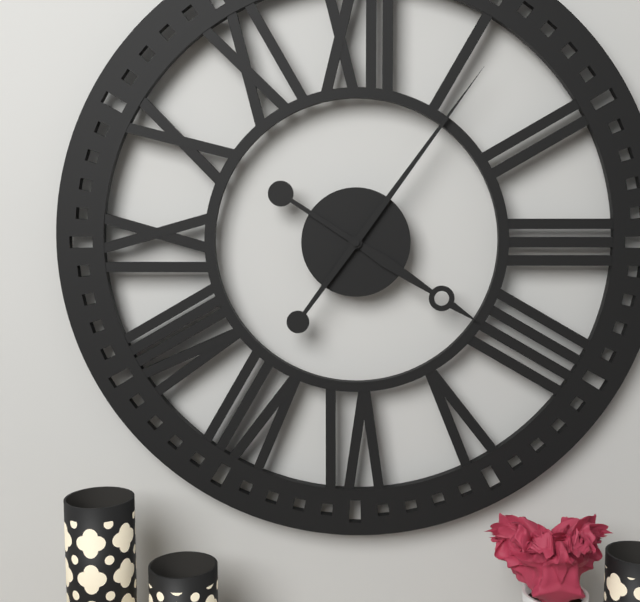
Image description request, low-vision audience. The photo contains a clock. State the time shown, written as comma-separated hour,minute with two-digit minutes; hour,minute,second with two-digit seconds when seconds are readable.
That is 4,06
